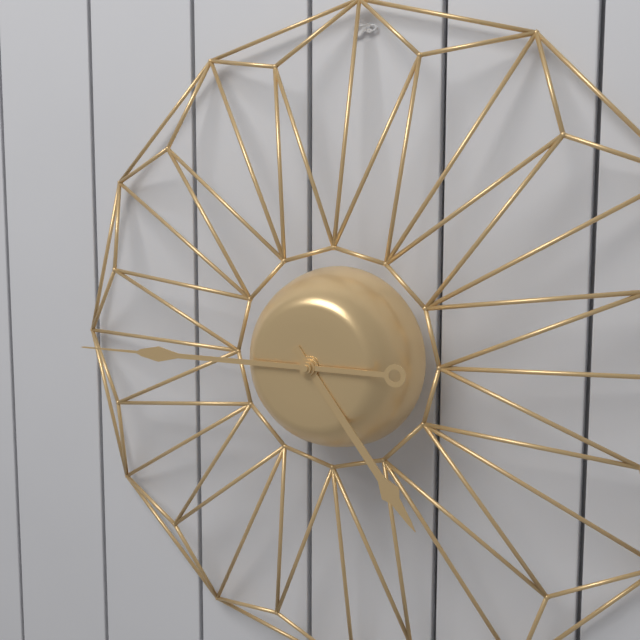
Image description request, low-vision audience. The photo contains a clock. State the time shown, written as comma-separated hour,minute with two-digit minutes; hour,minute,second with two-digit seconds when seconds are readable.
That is 4,45
